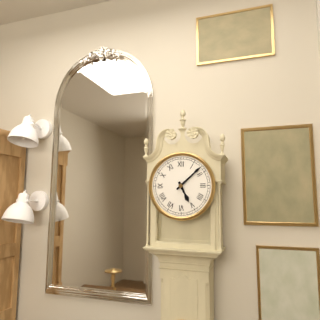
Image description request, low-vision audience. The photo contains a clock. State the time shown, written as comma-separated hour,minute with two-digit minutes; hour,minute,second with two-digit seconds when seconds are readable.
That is 5,08
